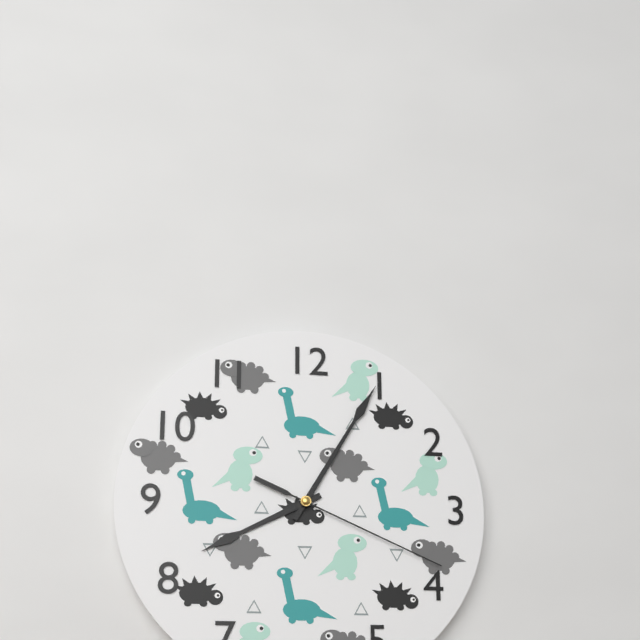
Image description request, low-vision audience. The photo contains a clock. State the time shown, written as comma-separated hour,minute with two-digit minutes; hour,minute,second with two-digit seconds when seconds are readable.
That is 8,05,19
